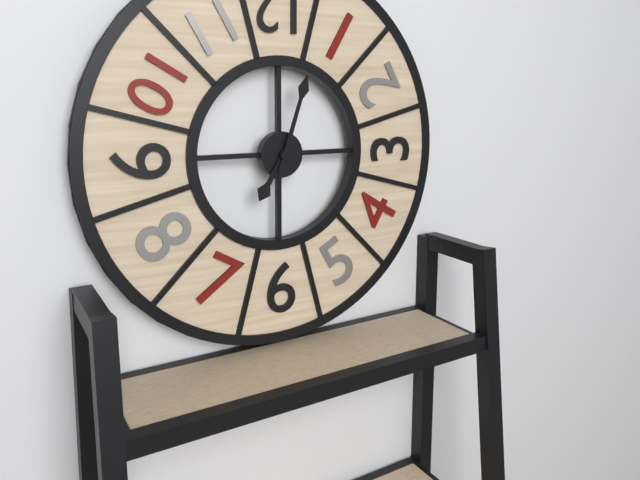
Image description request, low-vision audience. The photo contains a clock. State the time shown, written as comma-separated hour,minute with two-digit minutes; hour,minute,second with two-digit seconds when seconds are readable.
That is 7,03
